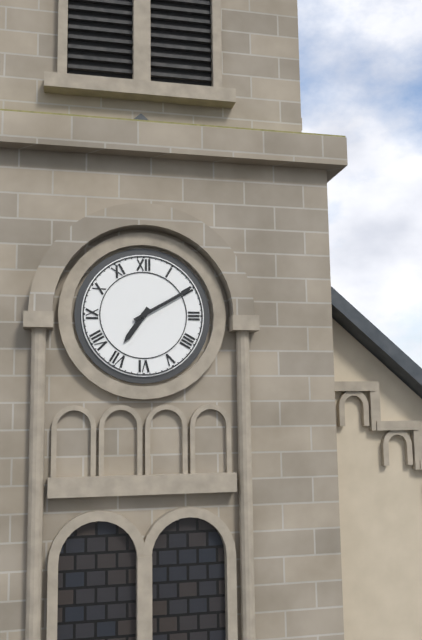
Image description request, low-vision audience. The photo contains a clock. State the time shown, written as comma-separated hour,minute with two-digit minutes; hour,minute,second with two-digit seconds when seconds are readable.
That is 7,10
